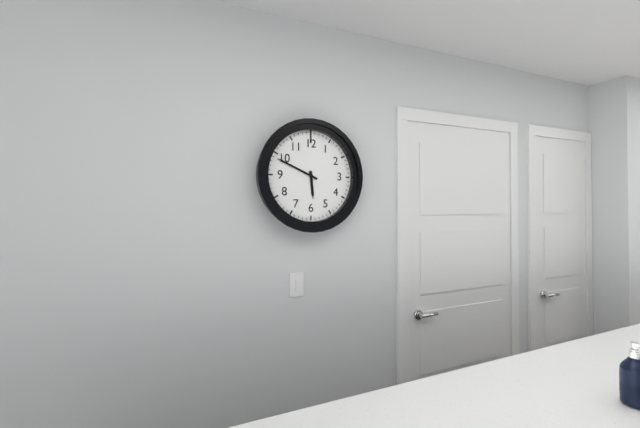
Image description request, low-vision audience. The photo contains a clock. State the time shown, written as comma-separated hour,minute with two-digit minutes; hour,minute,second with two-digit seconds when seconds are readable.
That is 5,49
